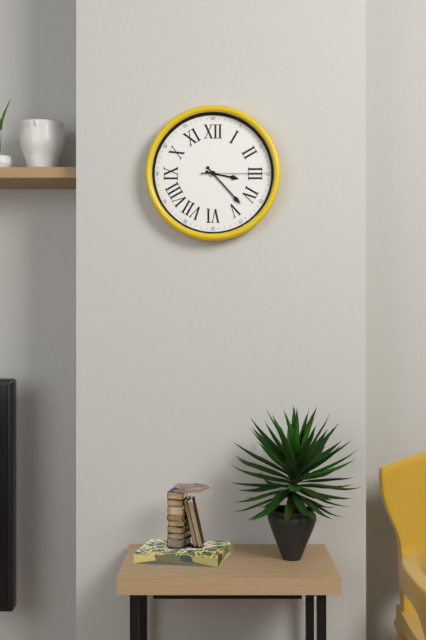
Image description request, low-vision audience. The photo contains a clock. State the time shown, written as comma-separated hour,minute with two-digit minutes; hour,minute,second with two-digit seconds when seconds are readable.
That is 3,23,15
